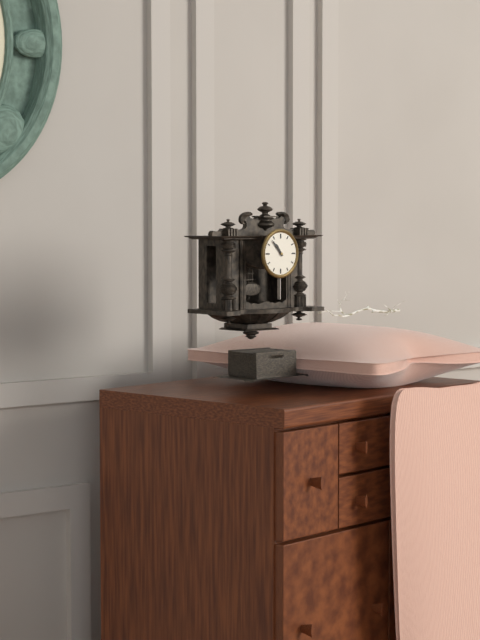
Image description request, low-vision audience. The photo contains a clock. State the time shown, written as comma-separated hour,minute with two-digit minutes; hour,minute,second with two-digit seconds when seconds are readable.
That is 10,53
